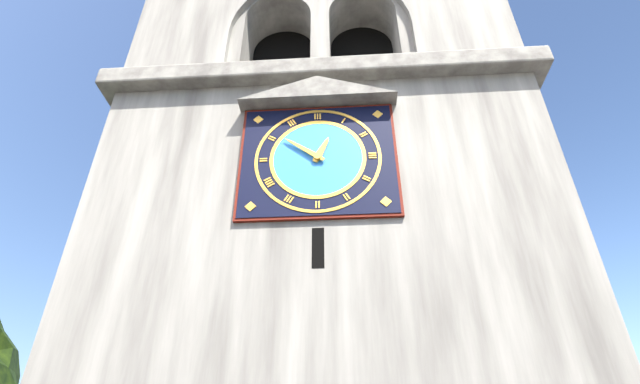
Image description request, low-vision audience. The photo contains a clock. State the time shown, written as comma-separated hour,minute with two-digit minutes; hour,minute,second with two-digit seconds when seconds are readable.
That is 12,51
